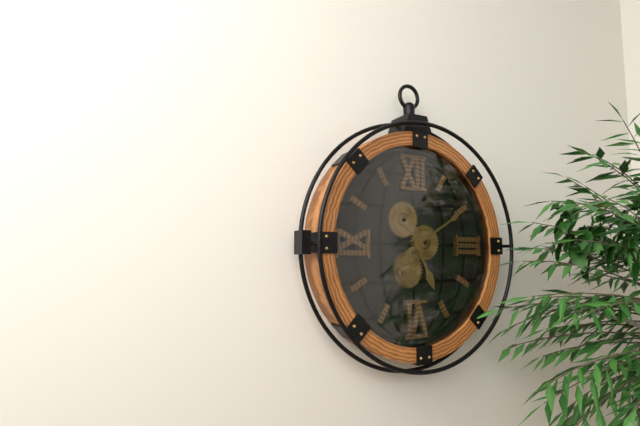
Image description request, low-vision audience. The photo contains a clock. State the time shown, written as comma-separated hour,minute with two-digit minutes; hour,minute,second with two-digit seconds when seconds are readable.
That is 5,10
